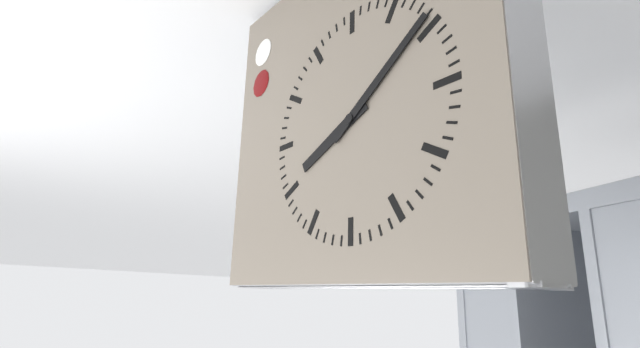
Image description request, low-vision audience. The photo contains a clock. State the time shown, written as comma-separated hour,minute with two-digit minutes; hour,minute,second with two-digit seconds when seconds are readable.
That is 8,09
